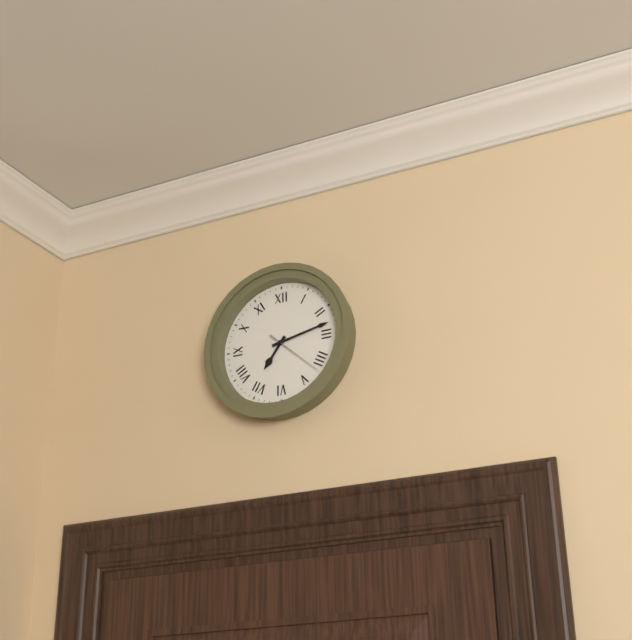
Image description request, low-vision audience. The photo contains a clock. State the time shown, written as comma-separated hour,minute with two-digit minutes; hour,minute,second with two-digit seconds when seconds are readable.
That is 7,13,22
